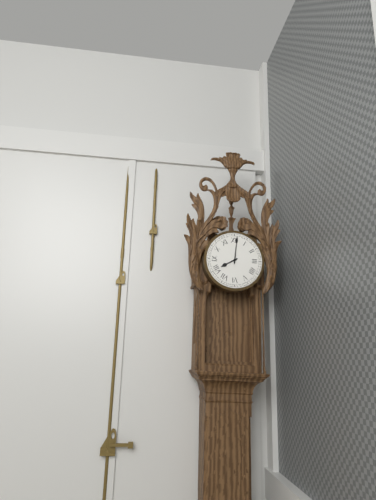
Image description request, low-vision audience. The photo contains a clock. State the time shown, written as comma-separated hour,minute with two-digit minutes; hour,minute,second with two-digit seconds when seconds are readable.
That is 8,01
